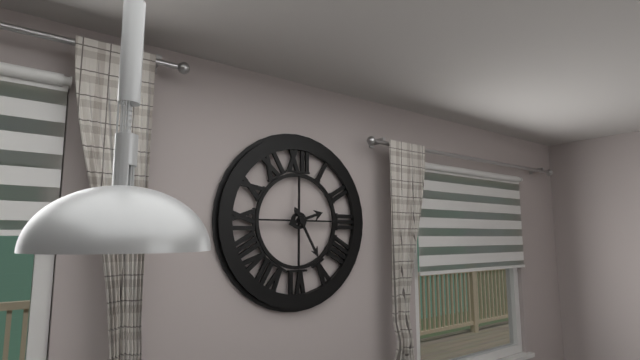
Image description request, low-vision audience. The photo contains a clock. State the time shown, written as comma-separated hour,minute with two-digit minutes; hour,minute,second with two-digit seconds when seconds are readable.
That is 2,25
